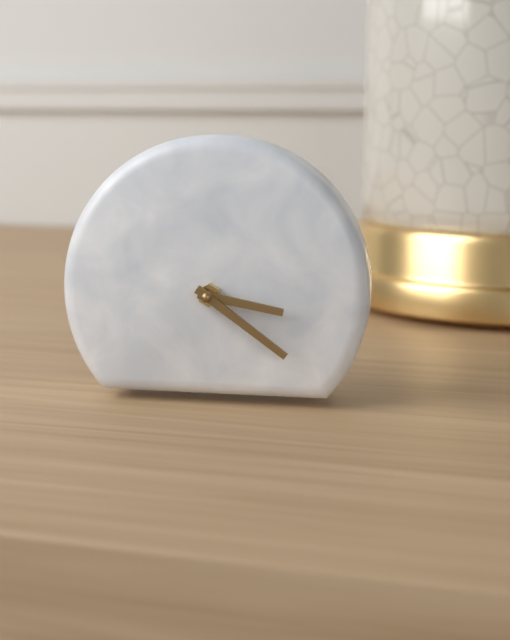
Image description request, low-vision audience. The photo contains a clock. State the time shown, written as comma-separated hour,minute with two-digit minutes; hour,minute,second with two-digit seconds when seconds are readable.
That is 3,21
